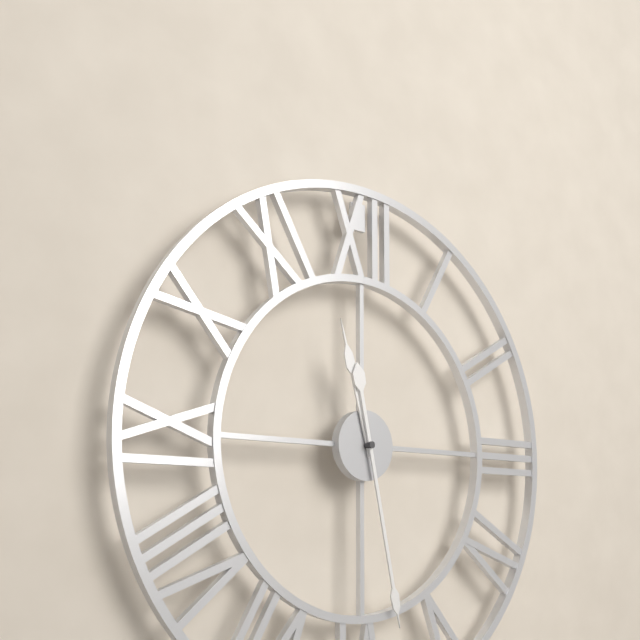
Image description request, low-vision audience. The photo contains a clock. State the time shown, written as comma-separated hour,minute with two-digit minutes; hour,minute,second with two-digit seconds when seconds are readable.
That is 11,28
